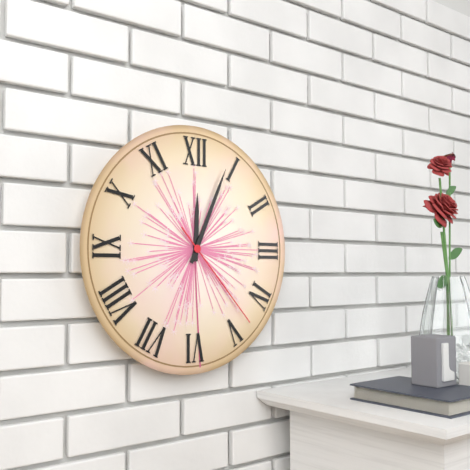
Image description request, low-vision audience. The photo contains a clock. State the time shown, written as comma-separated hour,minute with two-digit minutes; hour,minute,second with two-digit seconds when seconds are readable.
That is 12,04,23
